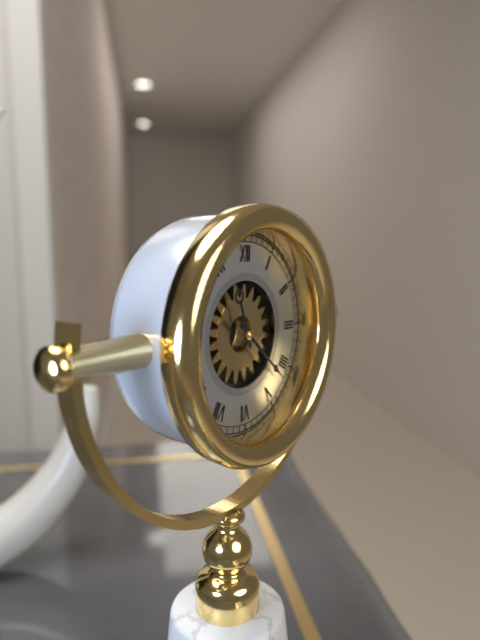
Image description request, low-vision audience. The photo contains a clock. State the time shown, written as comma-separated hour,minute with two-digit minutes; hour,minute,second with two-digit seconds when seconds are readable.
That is 11,22
